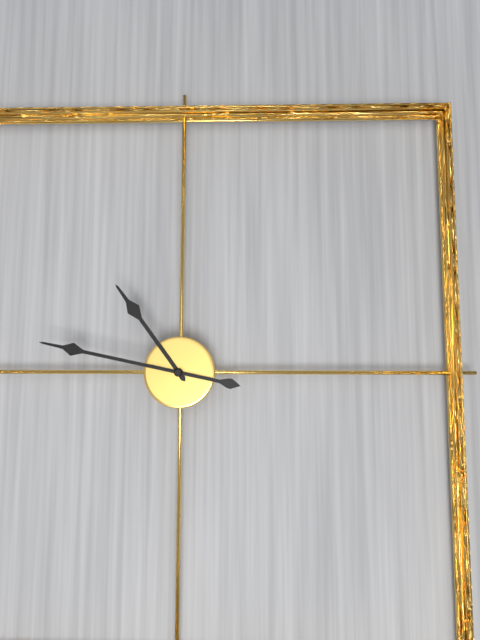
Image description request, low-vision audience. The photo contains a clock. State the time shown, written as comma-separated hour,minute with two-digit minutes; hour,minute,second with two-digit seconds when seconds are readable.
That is 10,47
